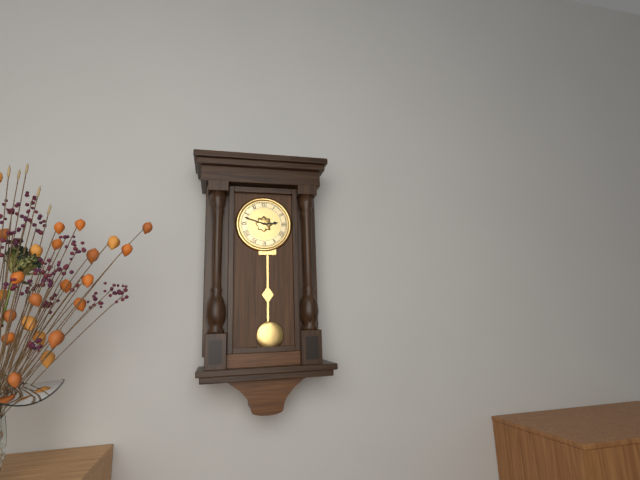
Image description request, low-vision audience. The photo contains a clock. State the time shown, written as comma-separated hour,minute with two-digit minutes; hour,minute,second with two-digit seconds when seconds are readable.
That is 2,48
